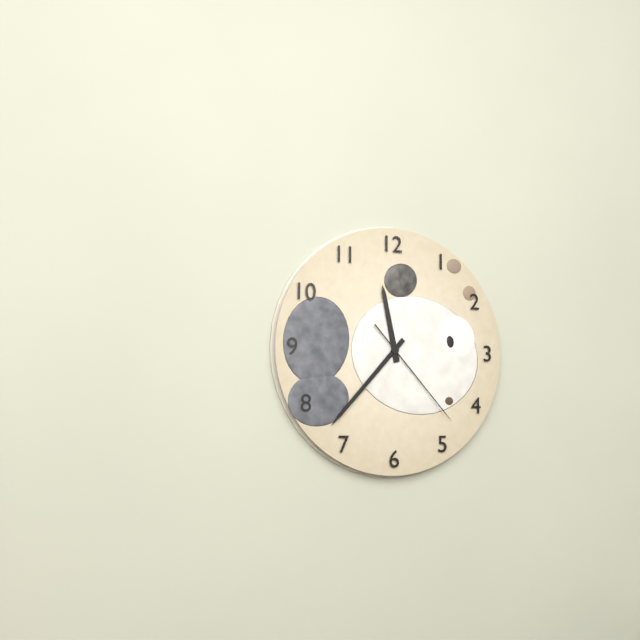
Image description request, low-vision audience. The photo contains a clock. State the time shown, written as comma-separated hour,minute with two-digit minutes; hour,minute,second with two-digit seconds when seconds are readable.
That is 11,37,23
